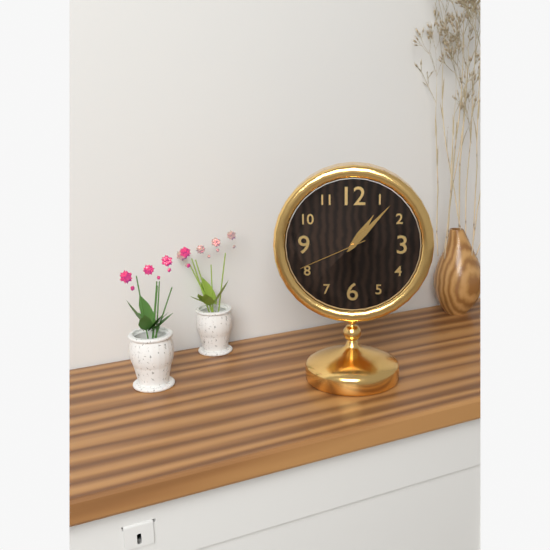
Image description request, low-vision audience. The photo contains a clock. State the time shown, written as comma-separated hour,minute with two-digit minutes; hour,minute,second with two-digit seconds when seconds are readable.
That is 1,07,41
